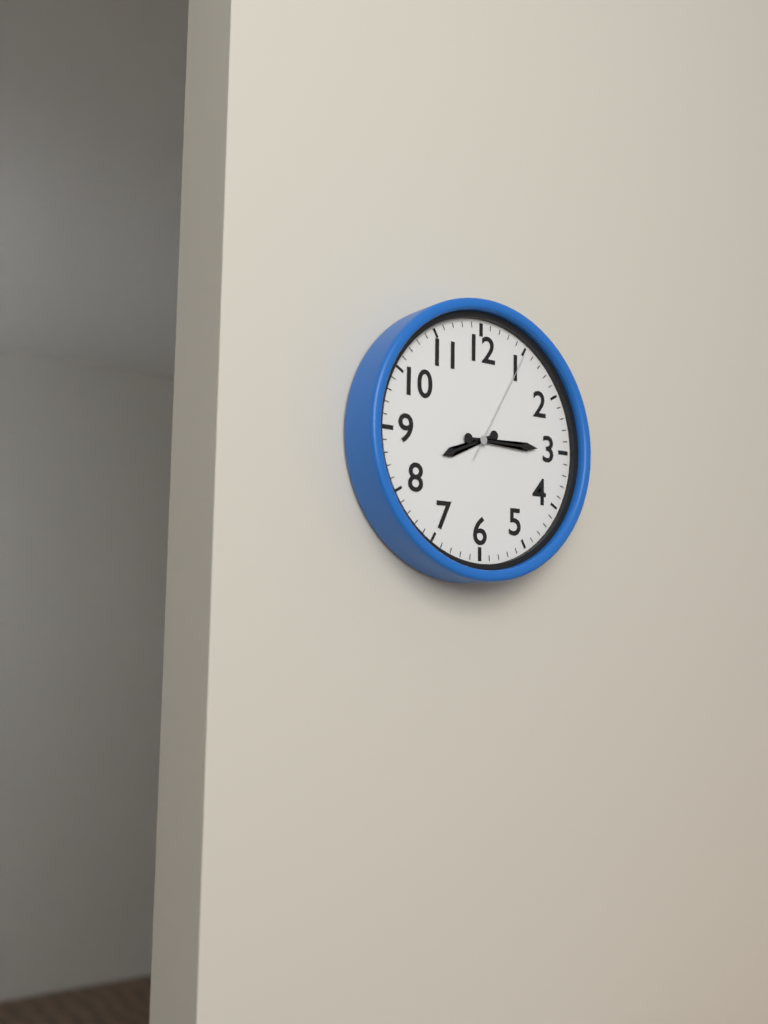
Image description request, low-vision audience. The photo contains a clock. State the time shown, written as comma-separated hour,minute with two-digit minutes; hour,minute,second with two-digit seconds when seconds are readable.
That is 8,15,05
